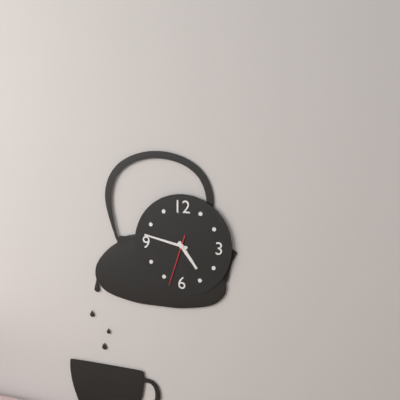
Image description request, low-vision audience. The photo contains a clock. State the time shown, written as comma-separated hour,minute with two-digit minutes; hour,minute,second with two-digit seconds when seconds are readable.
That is 4,47,33
